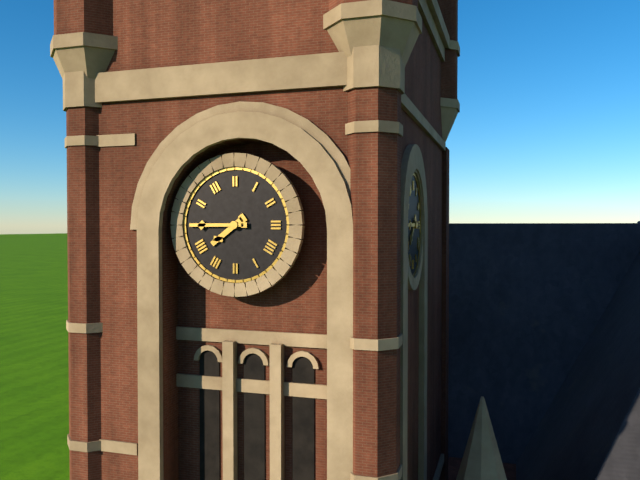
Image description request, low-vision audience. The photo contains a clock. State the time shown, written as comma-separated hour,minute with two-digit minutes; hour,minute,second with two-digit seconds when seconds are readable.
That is 7,45
